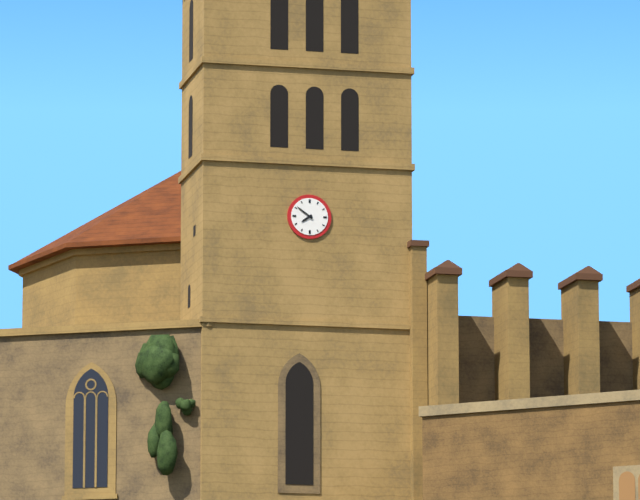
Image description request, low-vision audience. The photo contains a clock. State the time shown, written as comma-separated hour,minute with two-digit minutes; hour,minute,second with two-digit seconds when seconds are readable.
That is 7,51
